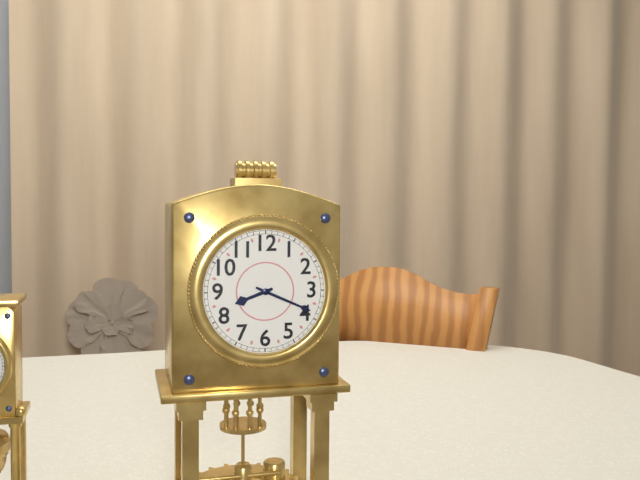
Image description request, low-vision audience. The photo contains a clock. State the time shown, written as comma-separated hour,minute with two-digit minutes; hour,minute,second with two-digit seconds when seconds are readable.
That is 8,19
